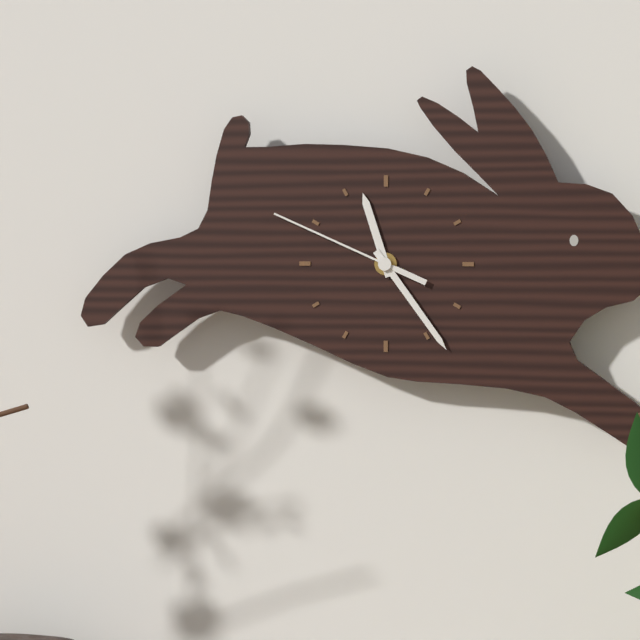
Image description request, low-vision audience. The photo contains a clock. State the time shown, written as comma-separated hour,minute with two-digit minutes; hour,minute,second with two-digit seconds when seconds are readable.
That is 11,24,49
